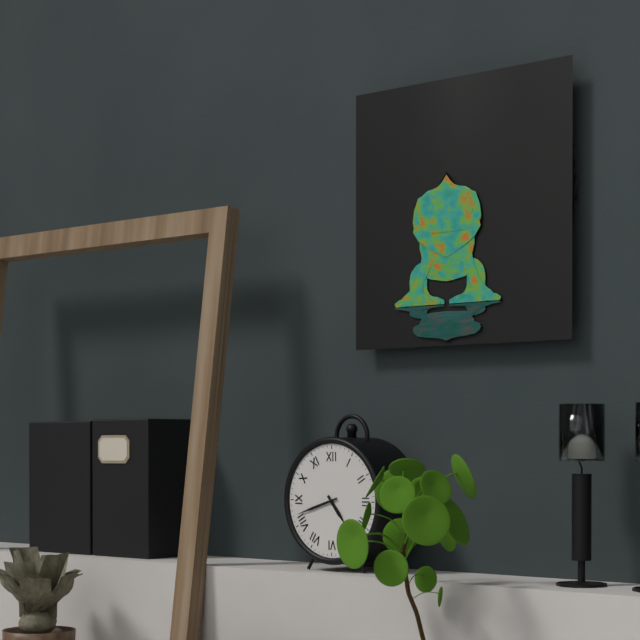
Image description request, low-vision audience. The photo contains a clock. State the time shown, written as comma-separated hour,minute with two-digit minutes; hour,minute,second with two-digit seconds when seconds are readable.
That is 4,42
